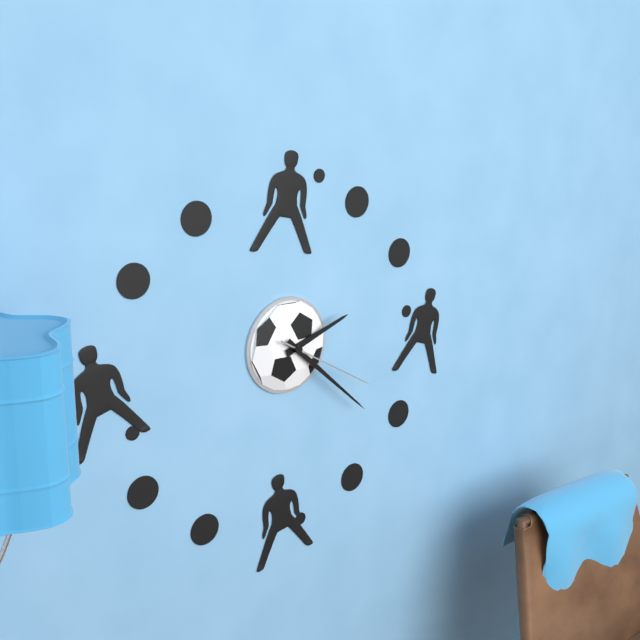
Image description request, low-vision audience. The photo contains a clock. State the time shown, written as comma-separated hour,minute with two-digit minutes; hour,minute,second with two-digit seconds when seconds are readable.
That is 2,22,20
